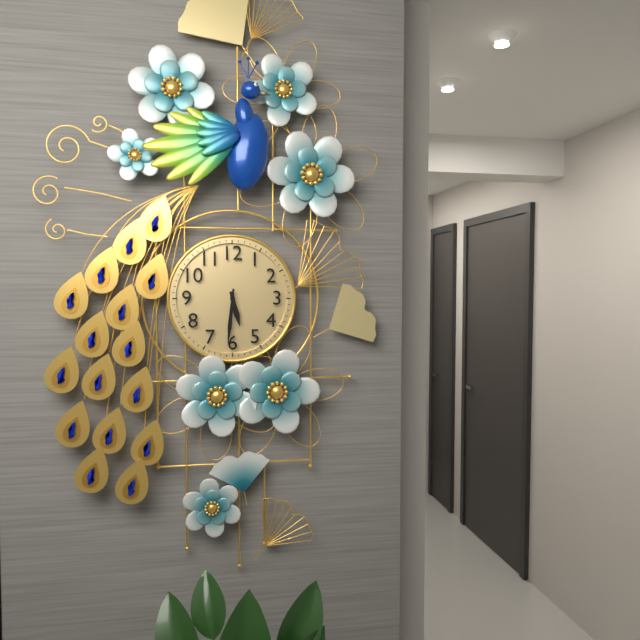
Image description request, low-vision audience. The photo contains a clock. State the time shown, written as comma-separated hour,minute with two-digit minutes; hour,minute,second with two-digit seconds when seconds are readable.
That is 5,31
